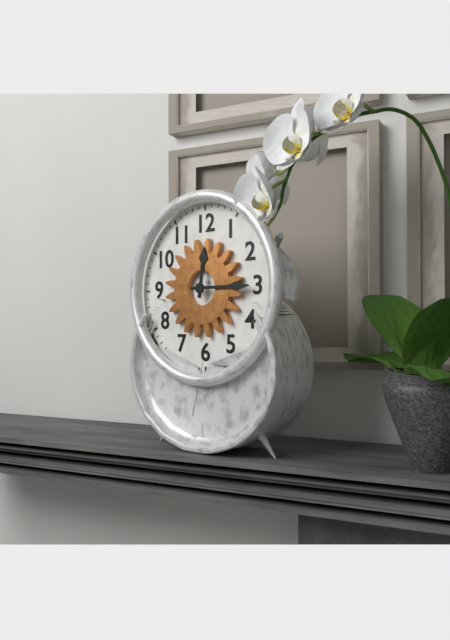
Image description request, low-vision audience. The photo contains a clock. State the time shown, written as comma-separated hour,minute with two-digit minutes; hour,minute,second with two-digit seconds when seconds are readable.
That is 12,15
